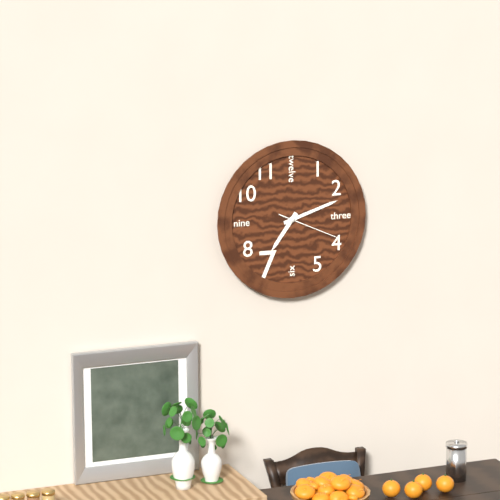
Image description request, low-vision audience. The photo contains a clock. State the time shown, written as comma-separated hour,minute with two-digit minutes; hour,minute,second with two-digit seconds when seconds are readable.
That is 7,12,19
